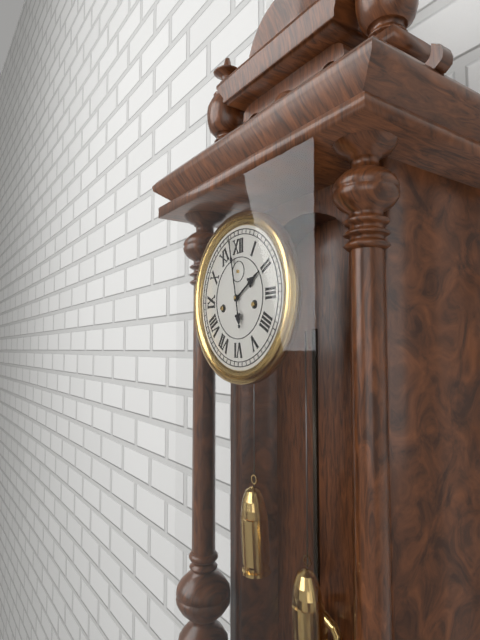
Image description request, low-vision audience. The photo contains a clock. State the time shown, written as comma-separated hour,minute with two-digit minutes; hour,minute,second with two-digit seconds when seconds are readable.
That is 1,58
